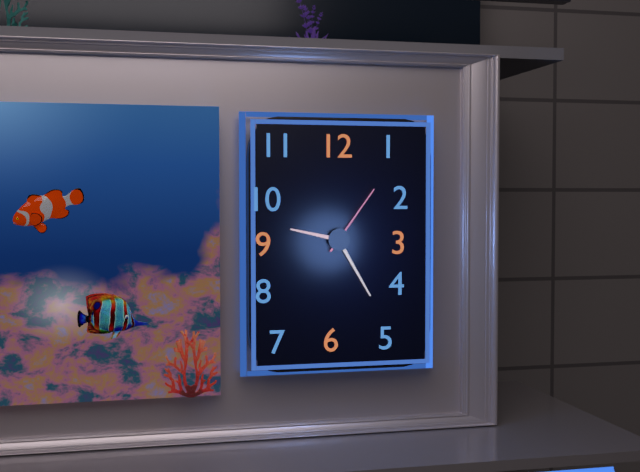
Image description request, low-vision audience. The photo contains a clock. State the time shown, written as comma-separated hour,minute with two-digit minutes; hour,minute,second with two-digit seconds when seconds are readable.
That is 9,25,06
